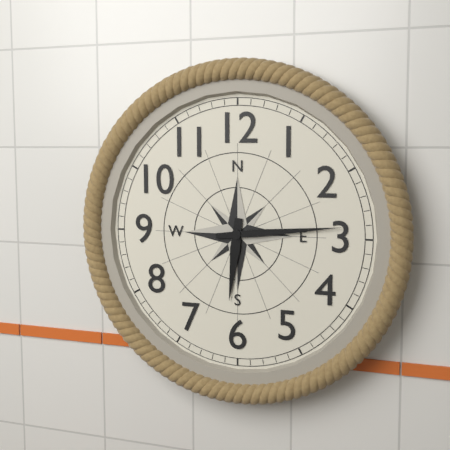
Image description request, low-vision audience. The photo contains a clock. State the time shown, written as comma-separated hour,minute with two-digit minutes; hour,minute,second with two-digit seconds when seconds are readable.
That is 6,14
